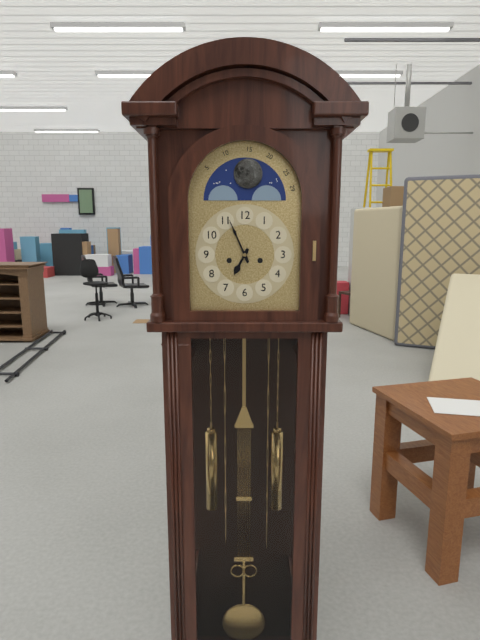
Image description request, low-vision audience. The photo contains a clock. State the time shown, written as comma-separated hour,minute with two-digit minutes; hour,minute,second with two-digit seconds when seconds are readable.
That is 6,56
